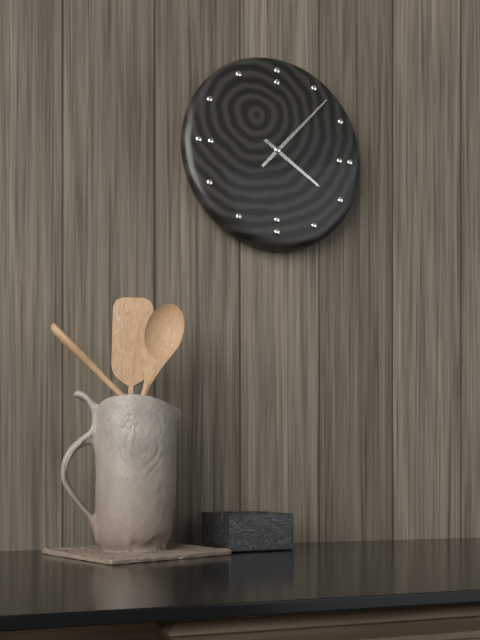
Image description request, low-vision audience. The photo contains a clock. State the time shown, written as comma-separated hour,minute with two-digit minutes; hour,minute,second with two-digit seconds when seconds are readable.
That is 4,07
